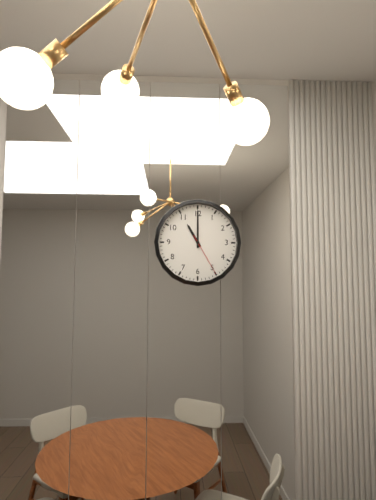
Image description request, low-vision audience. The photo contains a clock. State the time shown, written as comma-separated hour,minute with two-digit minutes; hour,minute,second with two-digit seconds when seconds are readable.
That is 11,00
